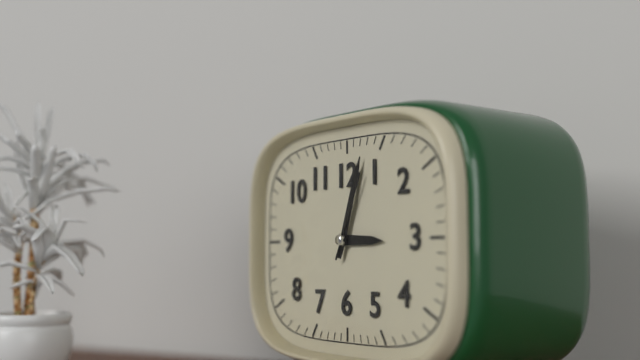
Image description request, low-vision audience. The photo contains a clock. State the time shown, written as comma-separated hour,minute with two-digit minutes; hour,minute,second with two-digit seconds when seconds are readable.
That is 3,03,04
